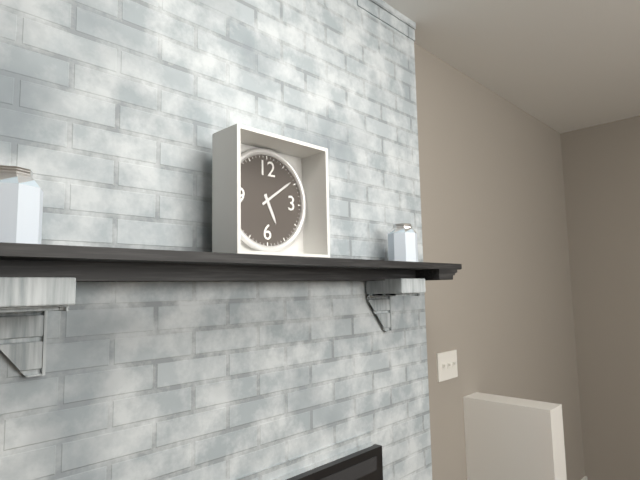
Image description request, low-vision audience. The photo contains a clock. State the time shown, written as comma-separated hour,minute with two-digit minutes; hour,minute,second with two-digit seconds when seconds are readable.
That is 5,09
